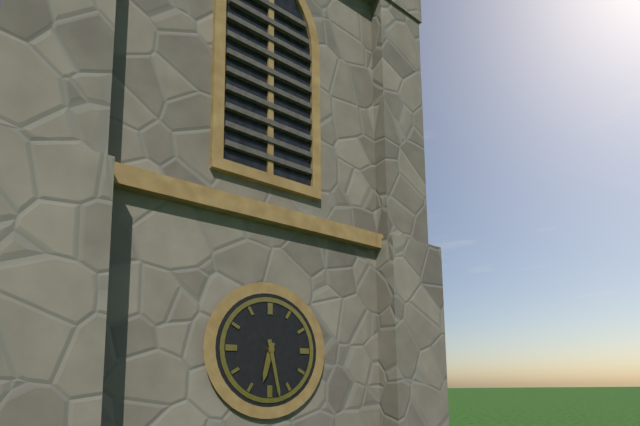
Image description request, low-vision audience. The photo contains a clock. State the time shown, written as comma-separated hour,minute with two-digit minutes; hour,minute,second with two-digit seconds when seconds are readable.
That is 6,28
